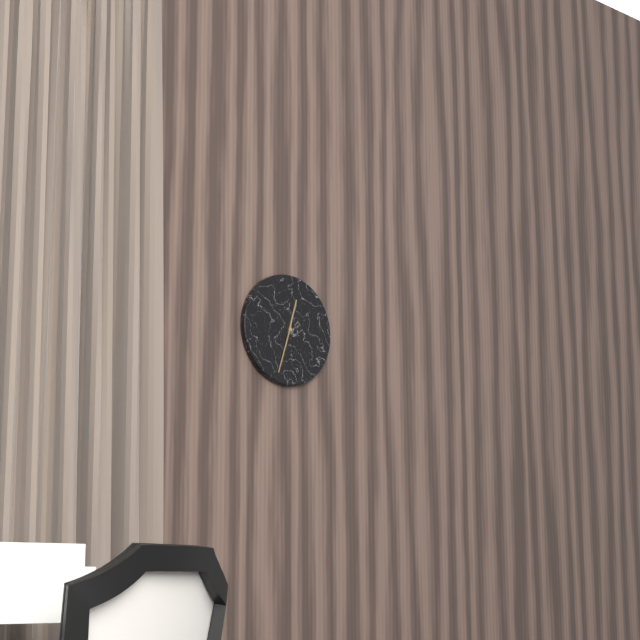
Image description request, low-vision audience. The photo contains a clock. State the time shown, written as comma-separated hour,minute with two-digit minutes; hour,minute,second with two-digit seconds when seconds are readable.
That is 12,33
